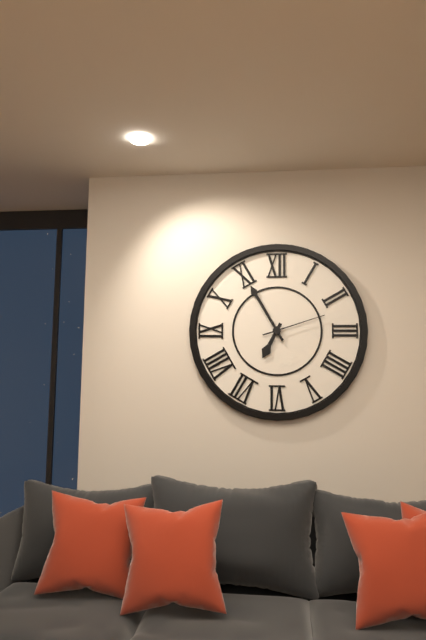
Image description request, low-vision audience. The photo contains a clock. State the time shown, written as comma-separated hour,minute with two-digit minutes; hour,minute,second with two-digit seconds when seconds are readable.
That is 6,55,12
